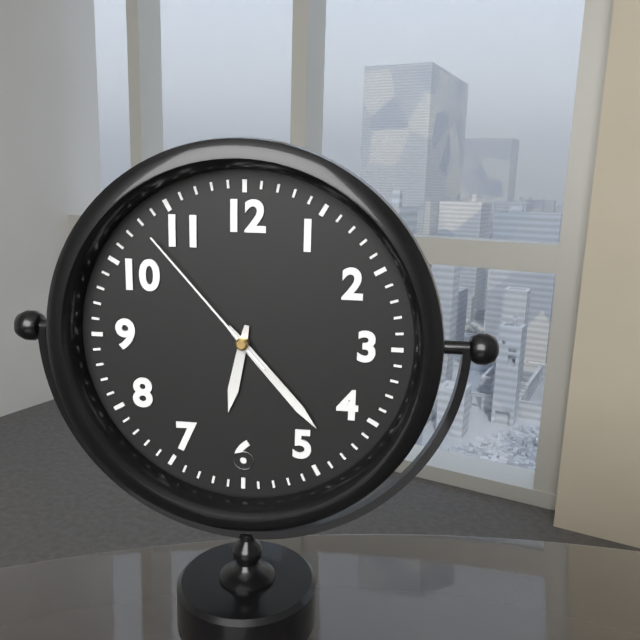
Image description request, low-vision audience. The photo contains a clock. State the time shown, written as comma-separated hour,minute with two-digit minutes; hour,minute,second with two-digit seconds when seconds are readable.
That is 6,23,53
